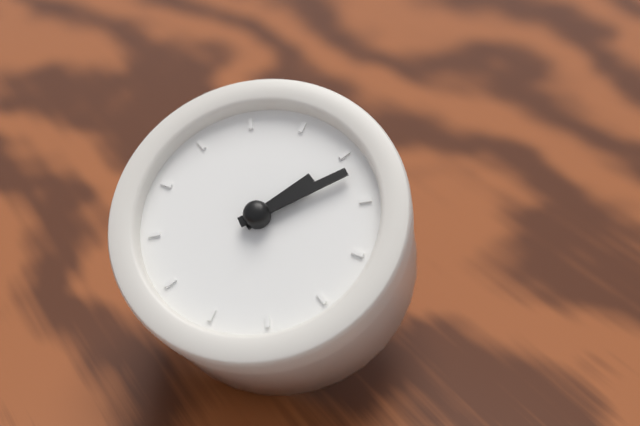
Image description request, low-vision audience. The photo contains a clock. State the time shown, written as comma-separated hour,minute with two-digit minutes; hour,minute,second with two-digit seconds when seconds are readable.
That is 12,02
